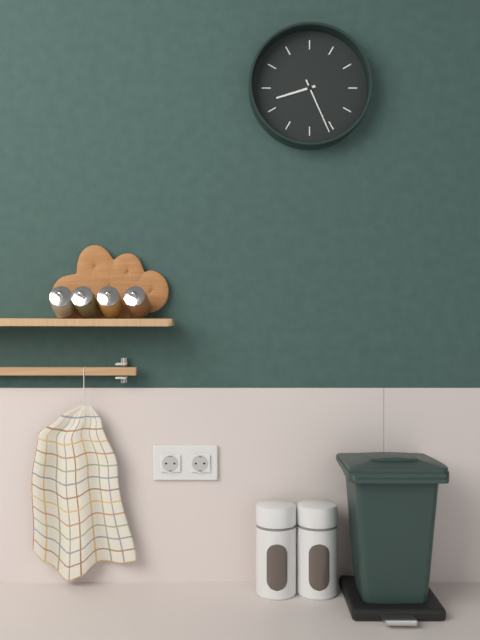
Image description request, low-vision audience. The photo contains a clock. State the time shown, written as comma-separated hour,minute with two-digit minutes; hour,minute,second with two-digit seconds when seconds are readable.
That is 8,26
